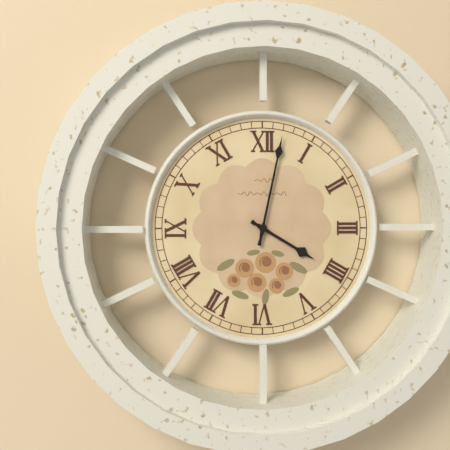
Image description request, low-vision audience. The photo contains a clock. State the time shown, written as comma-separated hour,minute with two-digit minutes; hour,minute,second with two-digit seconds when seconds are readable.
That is 4,02
